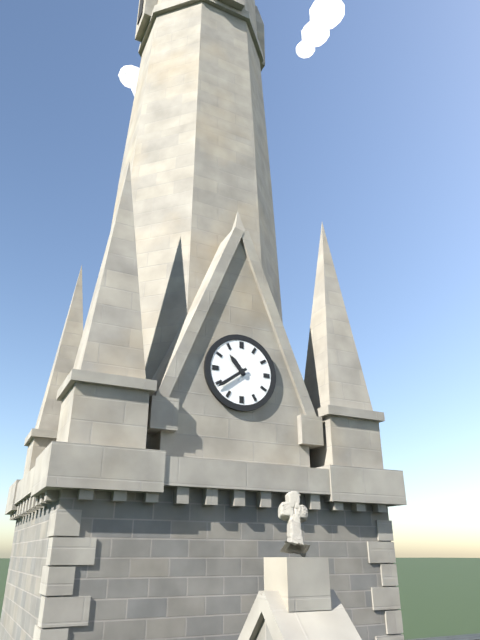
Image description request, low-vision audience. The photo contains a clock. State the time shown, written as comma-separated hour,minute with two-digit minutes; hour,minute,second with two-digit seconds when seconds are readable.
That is 10,39
